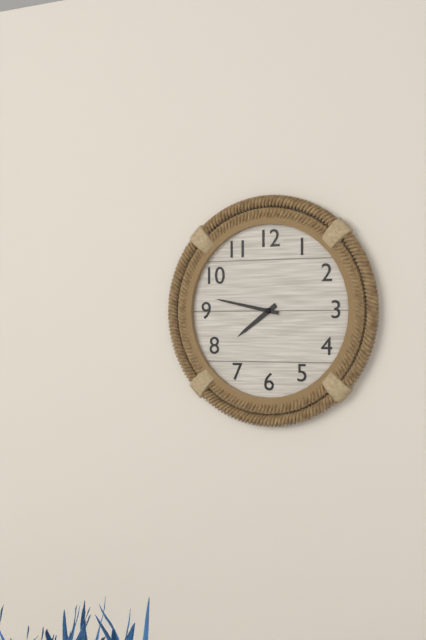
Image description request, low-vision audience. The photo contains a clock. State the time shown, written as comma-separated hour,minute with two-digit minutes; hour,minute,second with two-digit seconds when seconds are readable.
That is 7,47
